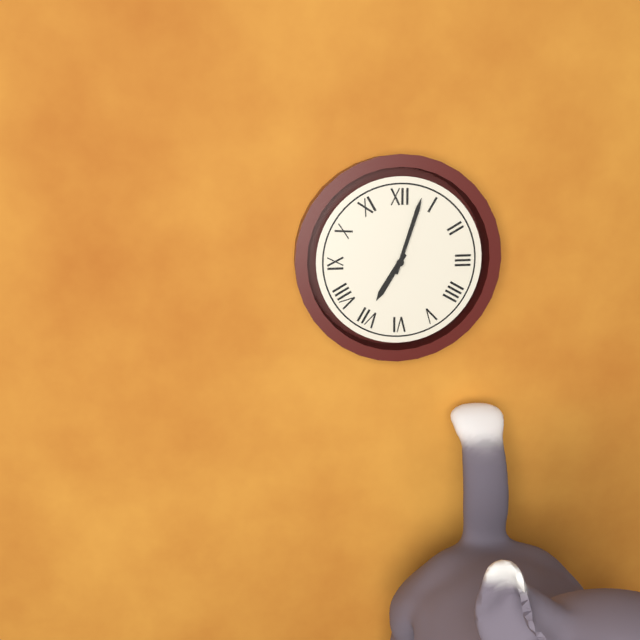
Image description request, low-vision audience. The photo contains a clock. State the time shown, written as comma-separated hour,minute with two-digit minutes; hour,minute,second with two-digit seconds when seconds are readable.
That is 7,03
